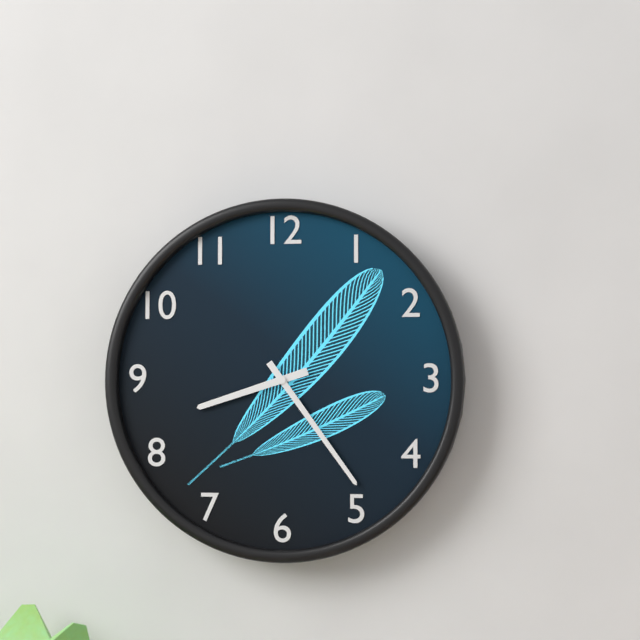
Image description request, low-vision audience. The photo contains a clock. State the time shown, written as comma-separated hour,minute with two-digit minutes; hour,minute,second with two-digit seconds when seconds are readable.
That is 8,24
